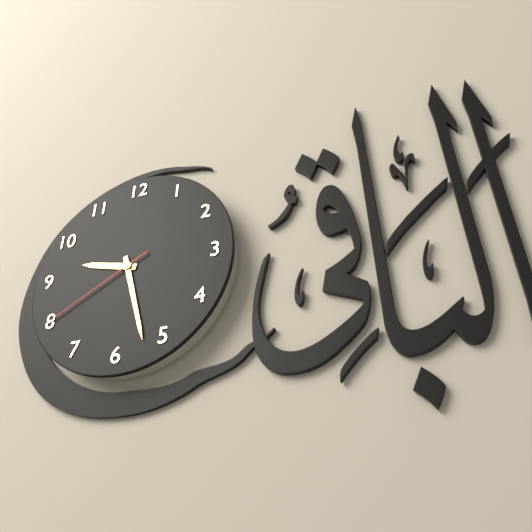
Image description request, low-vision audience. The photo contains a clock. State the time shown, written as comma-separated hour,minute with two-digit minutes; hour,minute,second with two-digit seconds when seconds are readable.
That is 9,27,40
